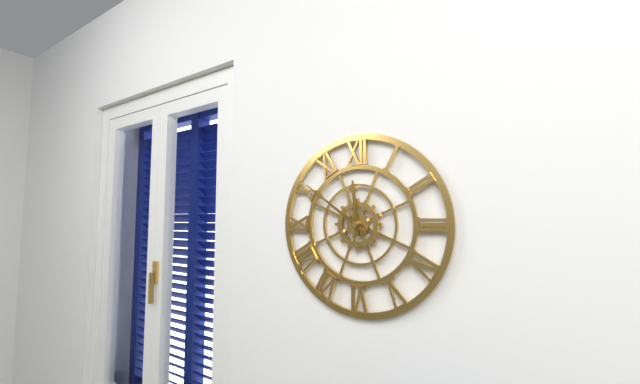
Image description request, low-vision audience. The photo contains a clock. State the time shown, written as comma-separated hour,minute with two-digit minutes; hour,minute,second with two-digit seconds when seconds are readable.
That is 11,51
